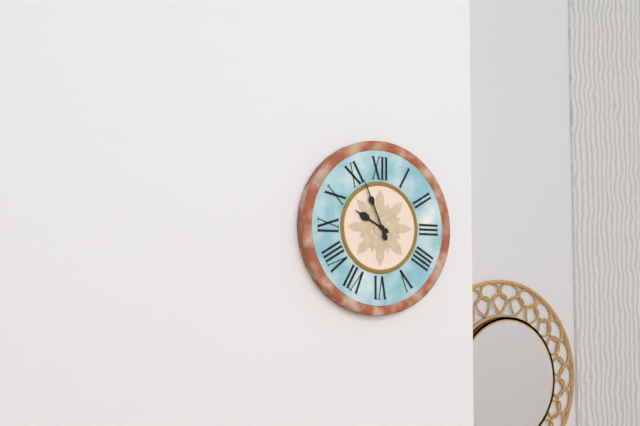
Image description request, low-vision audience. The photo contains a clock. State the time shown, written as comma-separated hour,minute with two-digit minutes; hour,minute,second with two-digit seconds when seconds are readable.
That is 9,56
